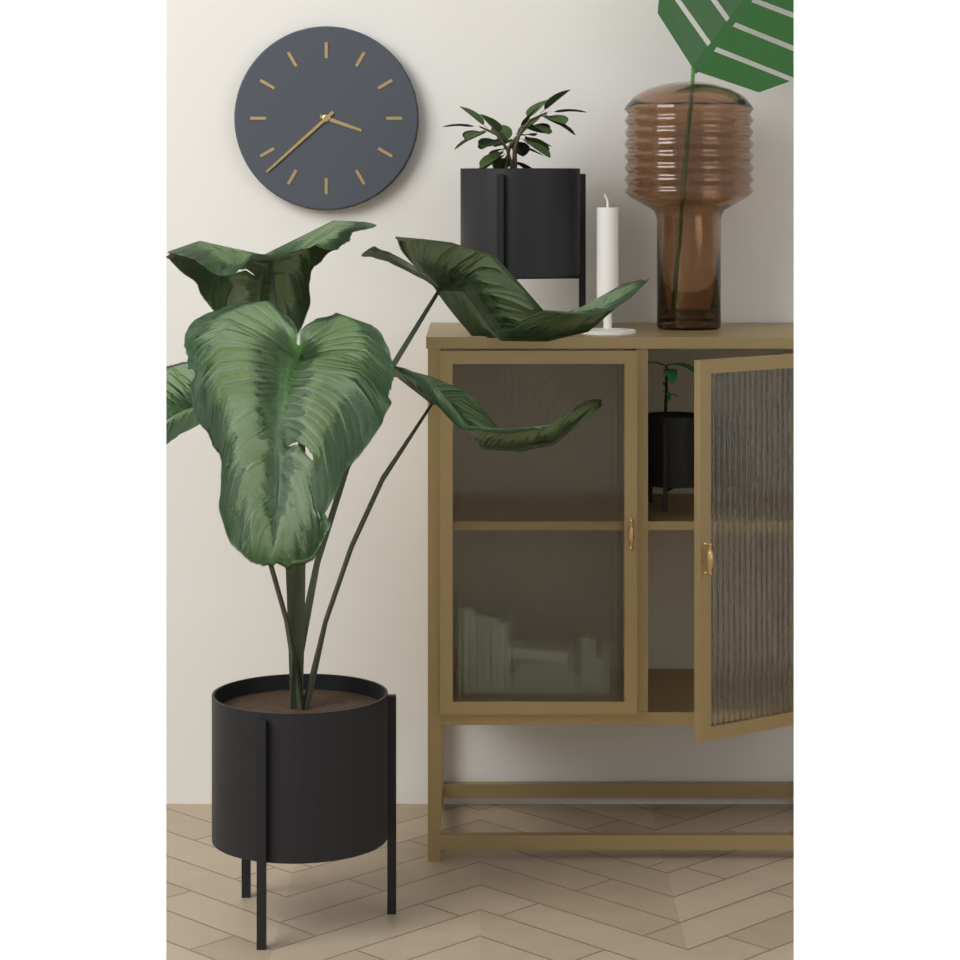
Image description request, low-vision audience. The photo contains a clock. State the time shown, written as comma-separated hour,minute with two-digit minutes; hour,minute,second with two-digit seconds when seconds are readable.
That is 3,38
